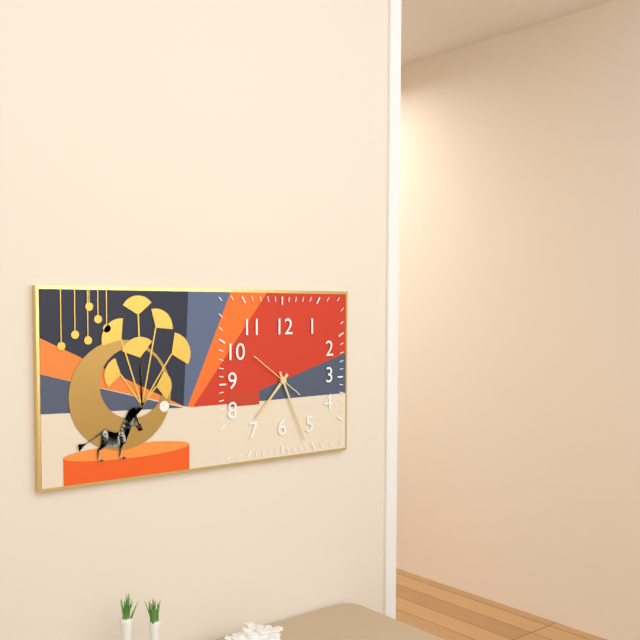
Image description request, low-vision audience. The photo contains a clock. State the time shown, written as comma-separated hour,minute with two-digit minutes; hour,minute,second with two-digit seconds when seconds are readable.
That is 7,26
